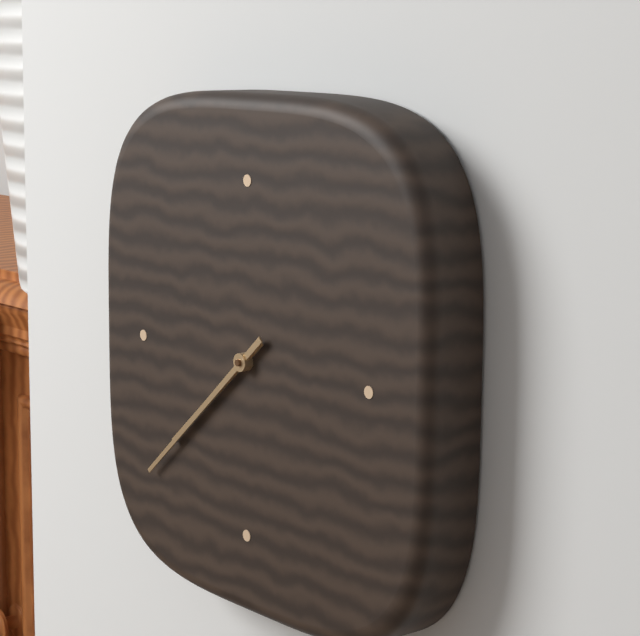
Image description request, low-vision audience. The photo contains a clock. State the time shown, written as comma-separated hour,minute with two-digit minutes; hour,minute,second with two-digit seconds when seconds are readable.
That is 7,38
